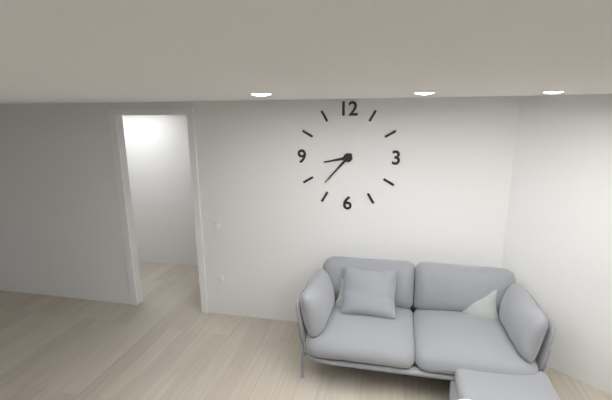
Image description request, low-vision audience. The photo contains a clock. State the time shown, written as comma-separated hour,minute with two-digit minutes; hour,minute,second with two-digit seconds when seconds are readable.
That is 8,37
